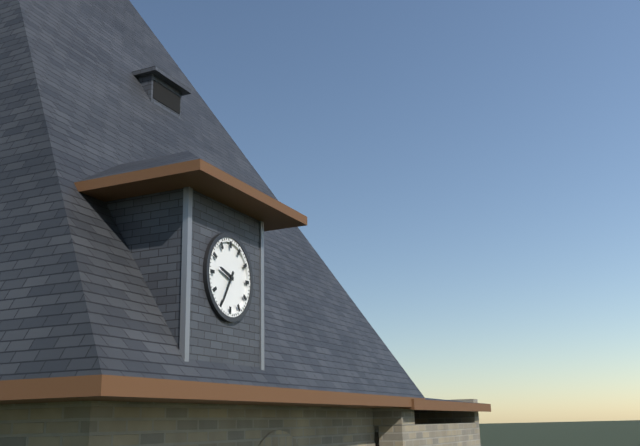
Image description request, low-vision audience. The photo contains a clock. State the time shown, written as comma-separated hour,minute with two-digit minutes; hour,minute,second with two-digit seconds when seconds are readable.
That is 9,35
